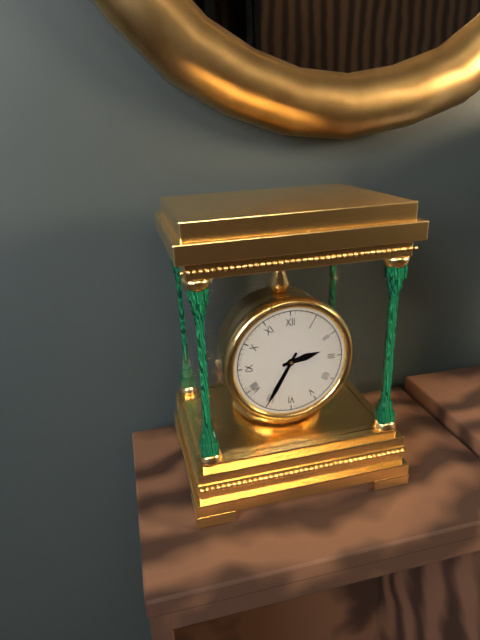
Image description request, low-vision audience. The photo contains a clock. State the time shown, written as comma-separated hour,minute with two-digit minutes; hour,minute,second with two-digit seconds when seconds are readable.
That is 2,35
